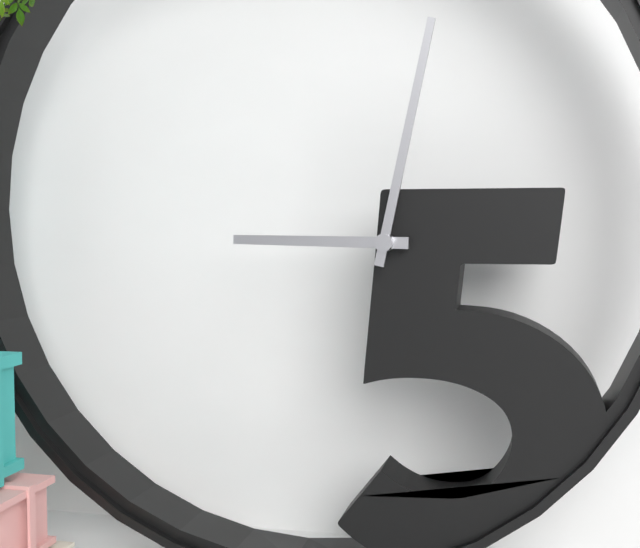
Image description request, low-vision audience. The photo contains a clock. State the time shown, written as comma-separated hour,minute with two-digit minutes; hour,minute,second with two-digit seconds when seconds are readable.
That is 9,02
